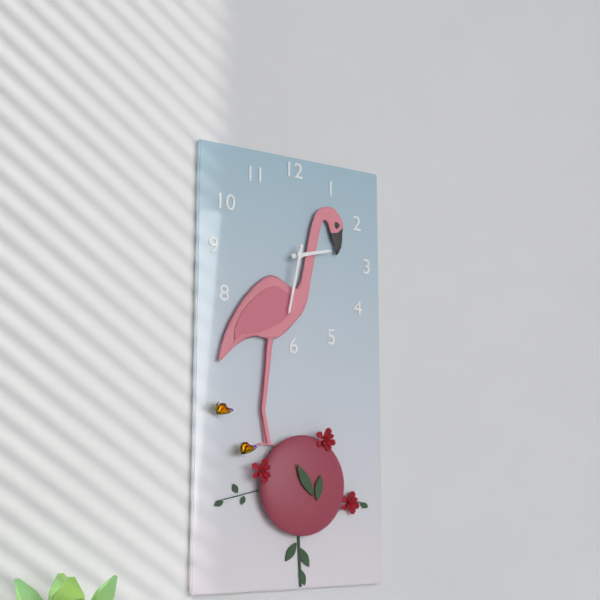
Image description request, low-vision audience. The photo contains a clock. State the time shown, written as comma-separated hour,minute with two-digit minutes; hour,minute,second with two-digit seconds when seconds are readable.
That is 2,32
